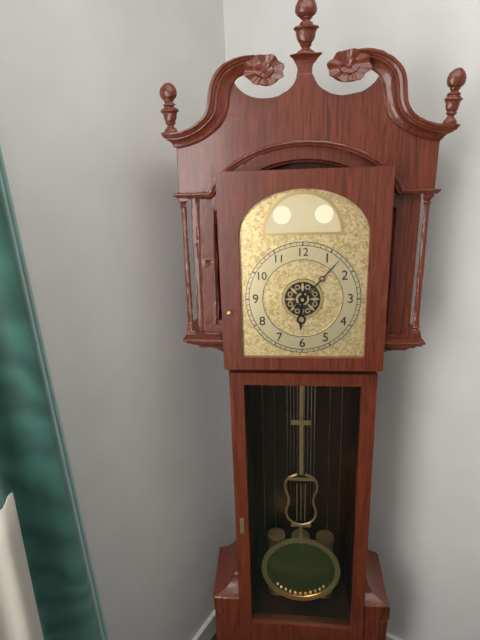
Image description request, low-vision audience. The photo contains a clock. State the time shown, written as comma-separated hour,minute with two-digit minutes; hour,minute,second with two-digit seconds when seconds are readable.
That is 6,07
